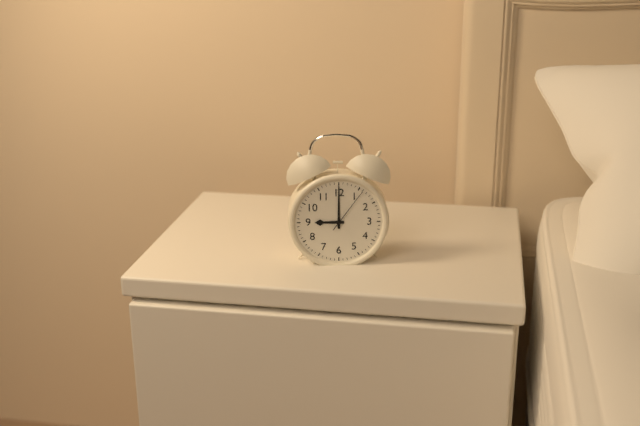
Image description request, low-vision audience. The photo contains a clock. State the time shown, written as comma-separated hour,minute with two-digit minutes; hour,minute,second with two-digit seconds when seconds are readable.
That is 9,00
